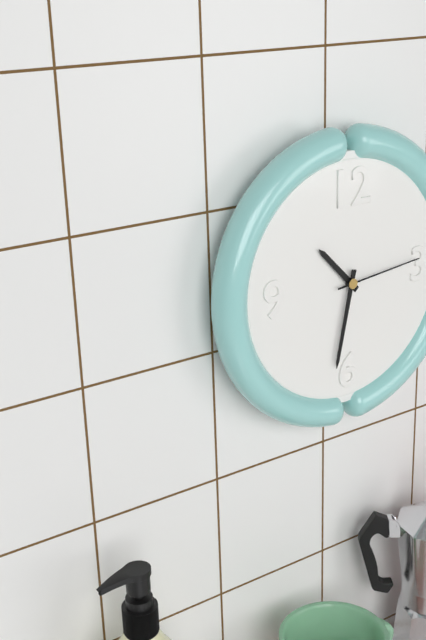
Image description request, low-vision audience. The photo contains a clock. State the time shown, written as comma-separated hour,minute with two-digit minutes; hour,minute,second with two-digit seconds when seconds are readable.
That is 10,32,14
